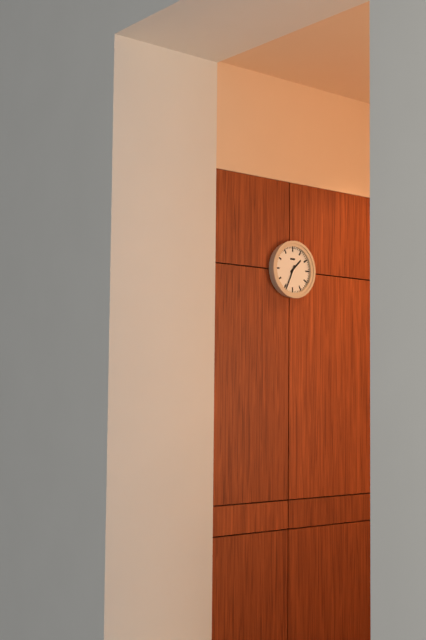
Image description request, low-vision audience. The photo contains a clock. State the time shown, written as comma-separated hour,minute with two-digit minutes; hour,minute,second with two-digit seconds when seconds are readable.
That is 1,34
